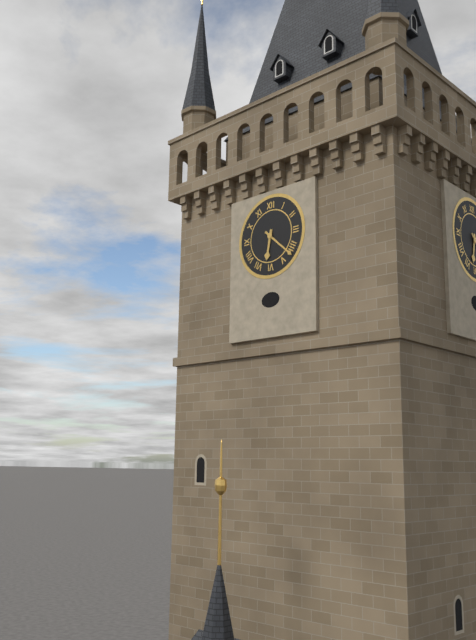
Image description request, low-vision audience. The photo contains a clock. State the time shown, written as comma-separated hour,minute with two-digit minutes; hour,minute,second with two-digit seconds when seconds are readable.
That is 6,22
